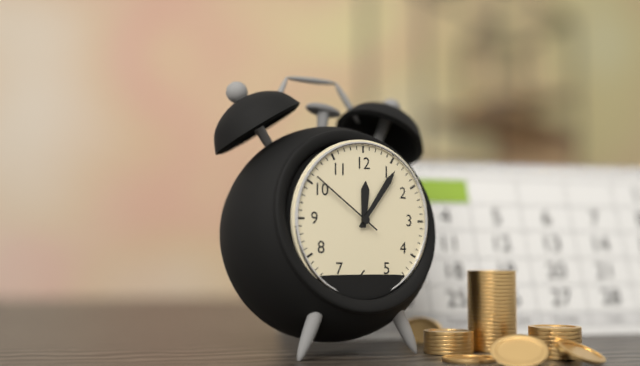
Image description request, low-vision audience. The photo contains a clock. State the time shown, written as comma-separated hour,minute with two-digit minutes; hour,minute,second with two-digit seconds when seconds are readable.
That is 12,06,51
